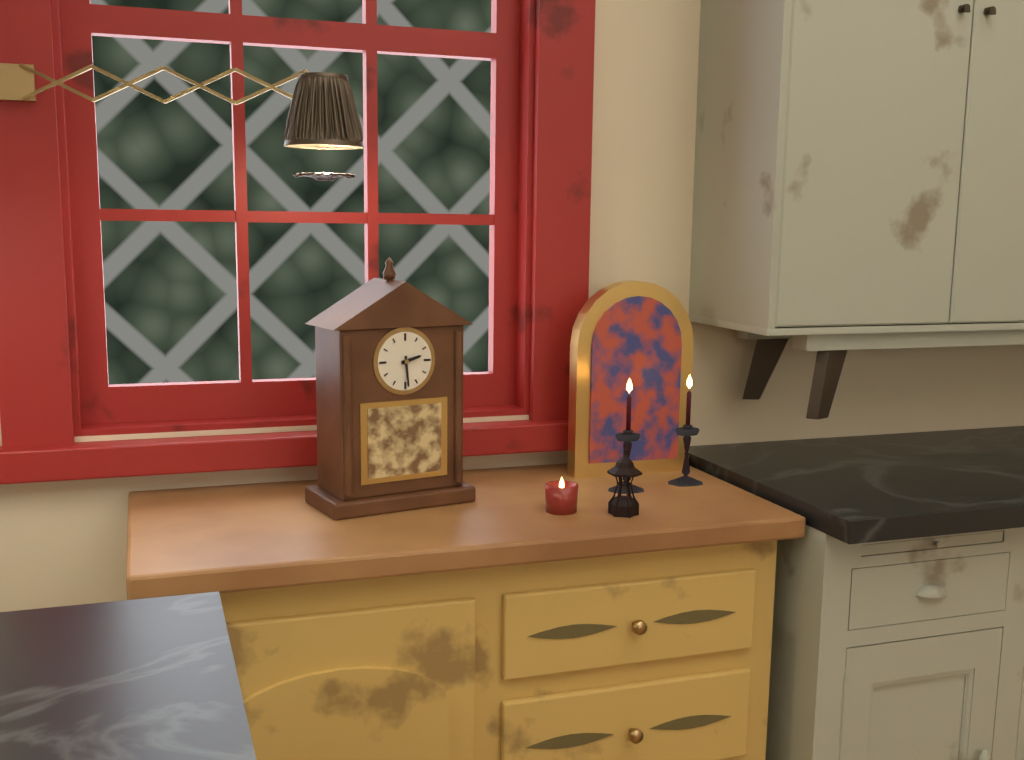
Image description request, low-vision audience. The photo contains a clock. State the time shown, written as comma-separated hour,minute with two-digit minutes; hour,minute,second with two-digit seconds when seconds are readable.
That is 2,29
